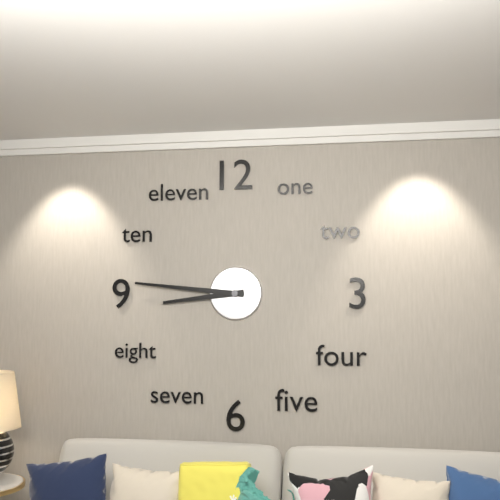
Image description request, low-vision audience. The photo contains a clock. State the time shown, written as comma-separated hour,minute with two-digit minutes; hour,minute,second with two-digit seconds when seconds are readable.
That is 8,46
